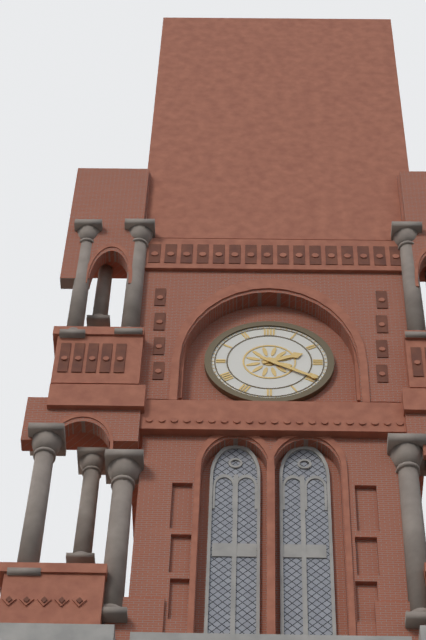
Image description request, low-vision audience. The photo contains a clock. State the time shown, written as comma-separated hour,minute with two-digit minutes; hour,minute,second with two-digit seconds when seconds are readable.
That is 2,20
